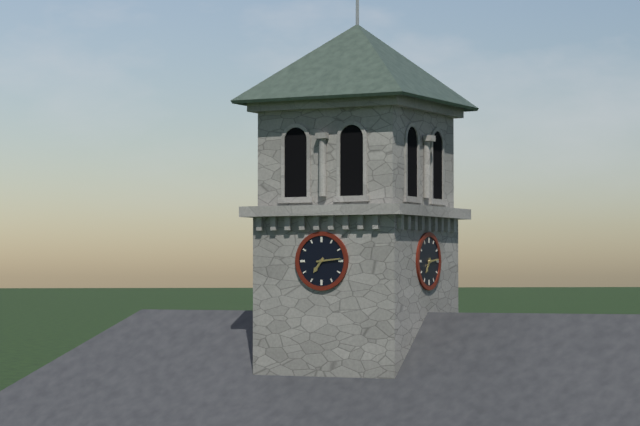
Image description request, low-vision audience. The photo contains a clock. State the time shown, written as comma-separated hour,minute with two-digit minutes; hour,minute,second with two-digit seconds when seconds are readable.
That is 7,14
